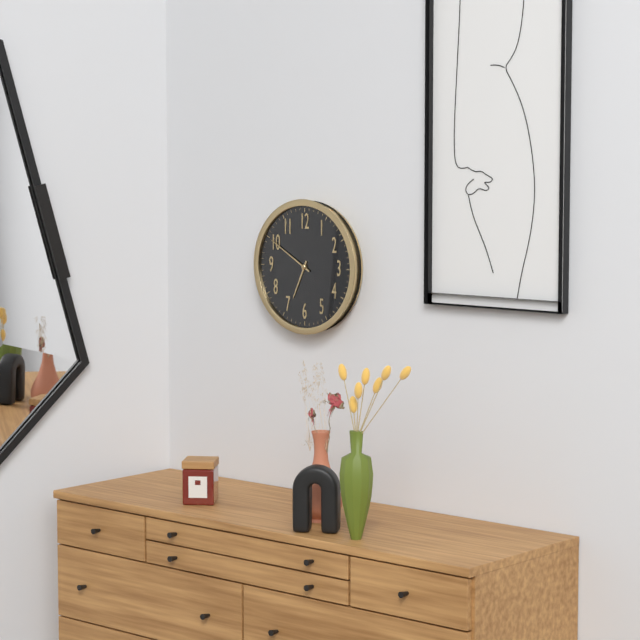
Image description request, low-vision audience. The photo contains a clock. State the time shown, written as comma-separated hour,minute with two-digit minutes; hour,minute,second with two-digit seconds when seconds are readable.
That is 6,50
